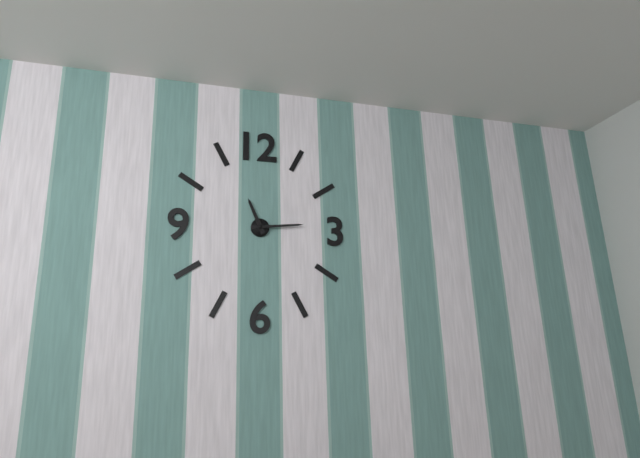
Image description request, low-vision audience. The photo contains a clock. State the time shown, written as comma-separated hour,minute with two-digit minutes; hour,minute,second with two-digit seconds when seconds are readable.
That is 11,14
